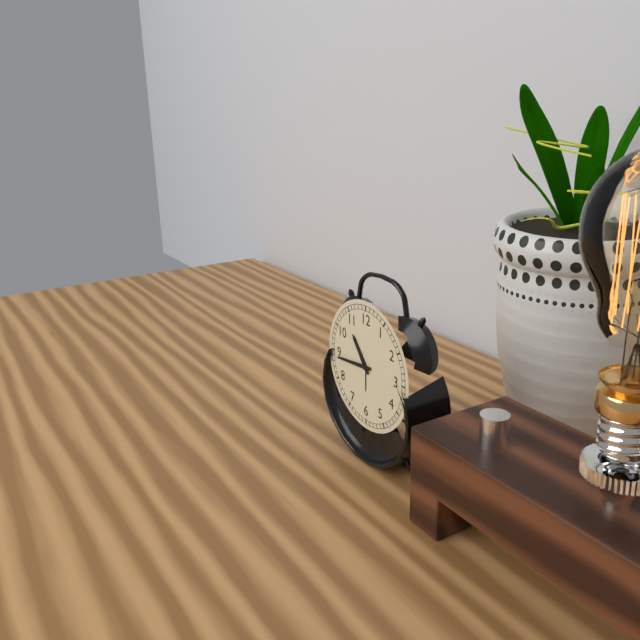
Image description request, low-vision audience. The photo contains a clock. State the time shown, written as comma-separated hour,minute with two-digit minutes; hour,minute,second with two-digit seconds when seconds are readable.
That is 10,44
